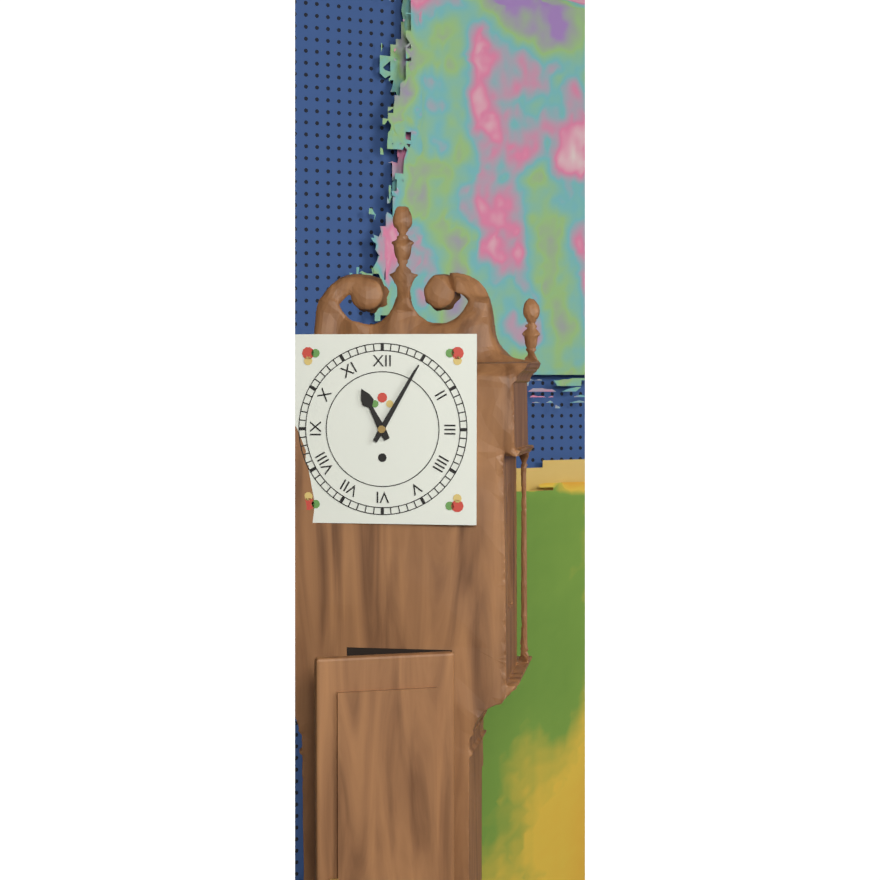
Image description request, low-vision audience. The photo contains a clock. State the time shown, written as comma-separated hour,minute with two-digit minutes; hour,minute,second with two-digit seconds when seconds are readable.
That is 11,05
